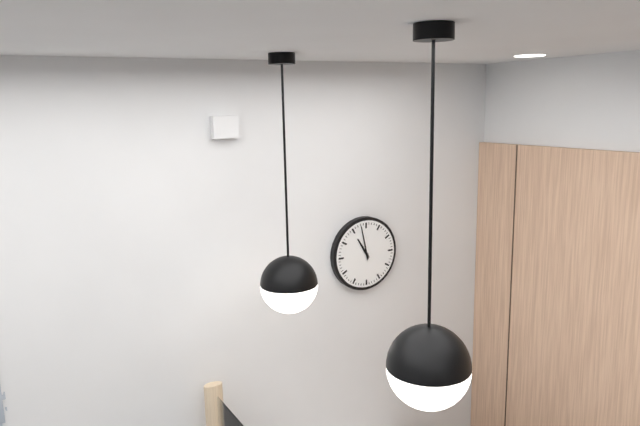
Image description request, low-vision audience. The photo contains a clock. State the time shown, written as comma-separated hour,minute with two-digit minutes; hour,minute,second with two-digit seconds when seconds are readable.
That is 10,58
